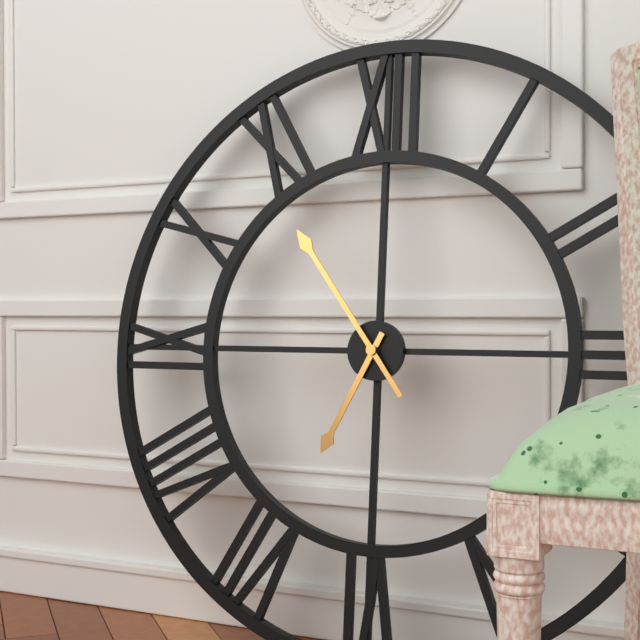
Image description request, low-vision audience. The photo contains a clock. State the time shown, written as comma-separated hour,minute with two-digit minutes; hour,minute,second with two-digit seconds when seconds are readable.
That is 6,54
